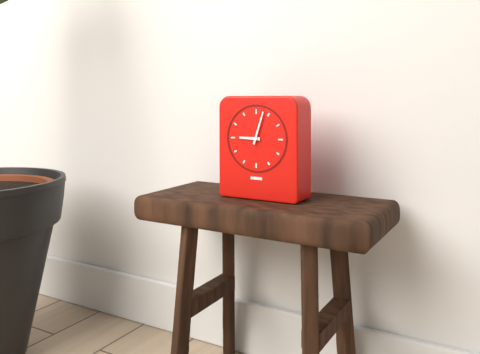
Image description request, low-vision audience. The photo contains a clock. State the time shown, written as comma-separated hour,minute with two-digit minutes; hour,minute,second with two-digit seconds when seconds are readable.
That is 9,03
